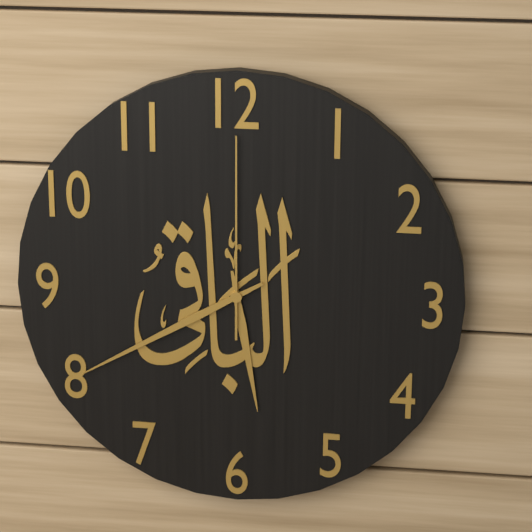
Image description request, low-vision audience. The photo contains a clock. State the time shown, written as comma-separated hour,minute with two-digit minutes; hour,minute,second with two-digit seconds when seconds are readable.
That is 5,40,00
